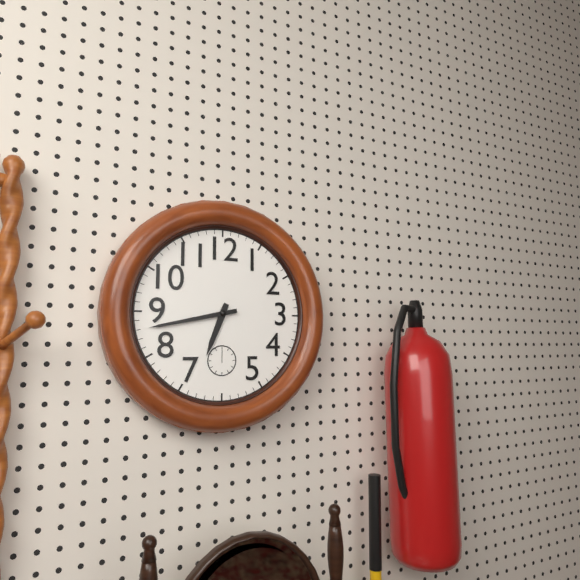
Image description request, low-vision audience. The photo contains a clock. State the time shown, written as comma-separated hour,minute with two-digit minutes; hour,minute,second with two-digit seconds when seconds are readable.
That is 6,43
